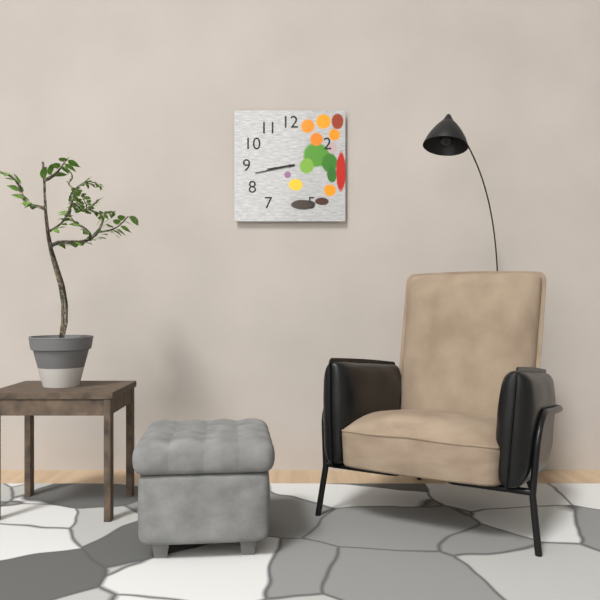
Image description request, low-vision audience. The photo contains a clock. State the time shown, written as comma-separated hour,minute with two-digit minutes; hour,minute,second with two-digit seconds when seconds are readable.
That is 8,43
